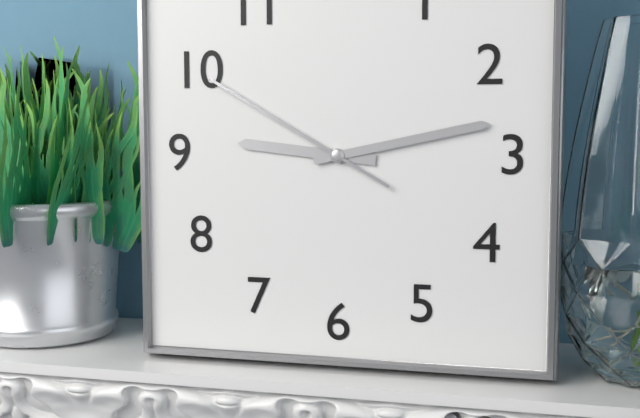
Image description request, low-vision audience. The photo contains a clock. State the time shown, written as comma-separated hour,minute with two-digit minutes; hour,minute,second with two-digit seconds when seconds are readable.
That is 9,13,50
